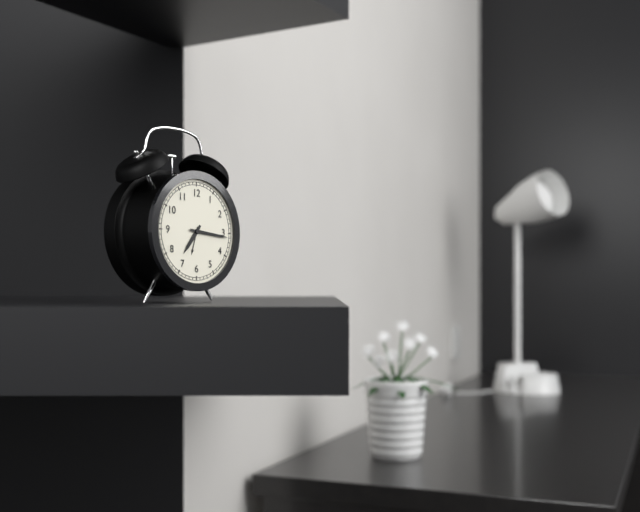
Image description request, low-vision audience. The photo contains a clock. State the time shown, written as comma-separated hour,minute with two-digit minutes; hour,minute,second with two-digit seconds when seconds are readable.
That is 7,16
